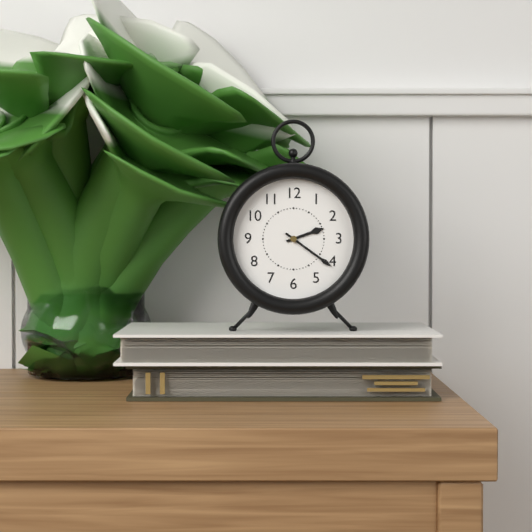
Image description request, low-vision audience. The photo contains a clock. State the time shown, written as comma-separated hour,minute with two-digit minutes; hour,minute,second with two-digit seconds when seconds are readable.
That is 2,21
